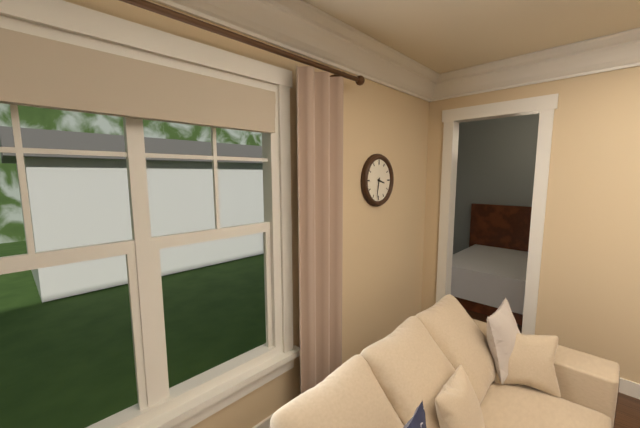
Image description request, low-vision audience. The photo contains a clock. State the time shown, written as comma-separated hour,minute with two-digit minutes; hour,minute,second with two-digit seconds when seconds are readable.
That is 3,32
